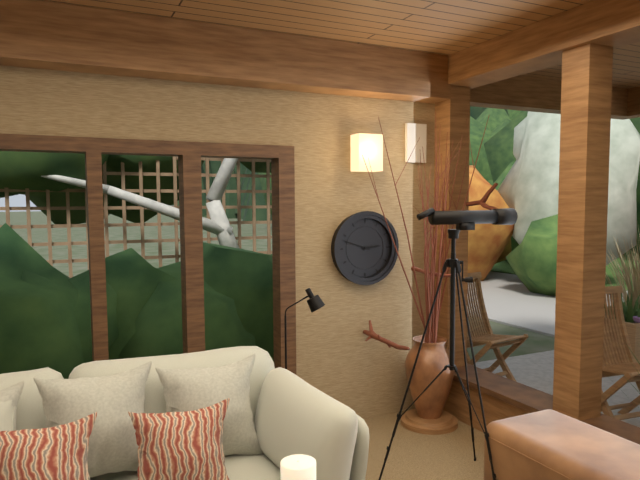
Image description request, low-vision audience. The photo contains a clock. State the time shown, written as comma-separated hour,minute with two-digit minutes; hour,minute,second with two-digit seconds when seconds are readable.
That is 2,48
